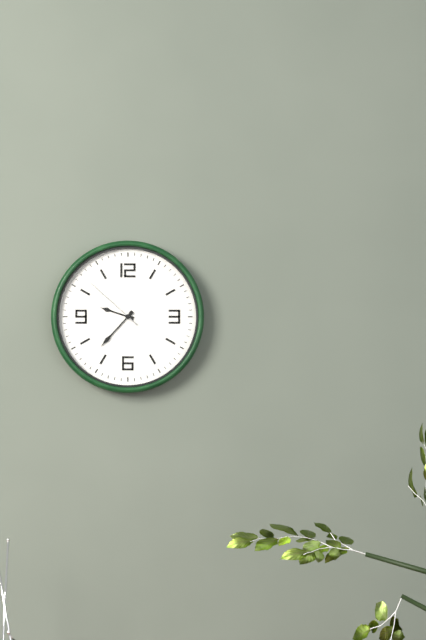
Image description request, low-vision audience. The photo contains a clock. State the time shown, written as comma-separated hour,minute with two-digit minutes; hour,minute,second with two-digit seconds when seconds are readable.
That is 9,37,52
